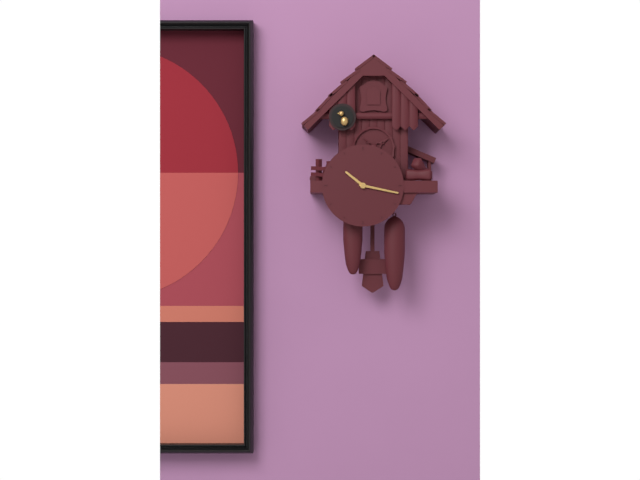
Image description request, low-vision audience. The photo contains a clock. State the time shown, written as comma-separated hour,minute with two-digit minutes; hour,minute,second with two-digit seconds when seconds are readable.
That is 10,17
